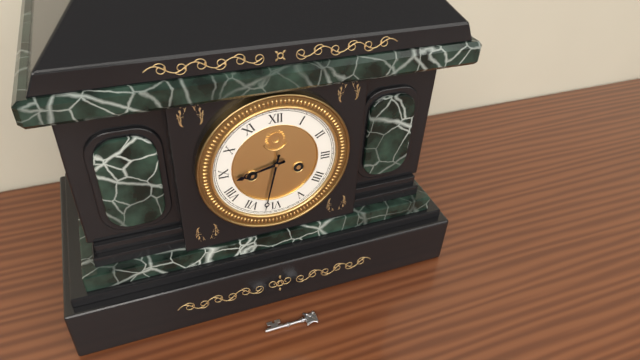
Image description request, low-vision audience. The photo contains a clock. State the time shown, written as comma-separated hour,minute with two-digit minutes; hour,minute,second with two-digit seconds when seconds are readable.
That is 8,32
